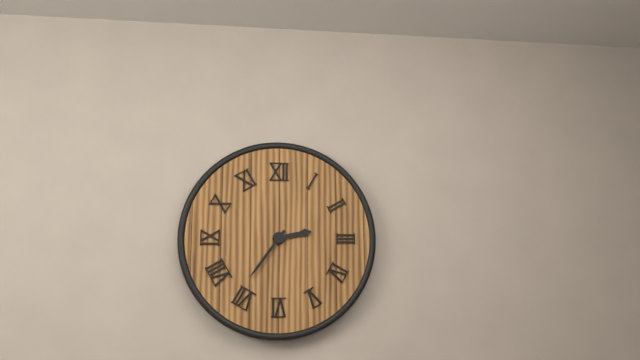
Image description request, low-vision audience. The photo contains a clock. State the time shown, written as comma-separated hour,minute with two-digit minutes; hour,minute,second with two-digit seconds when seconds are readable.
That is 2,36
